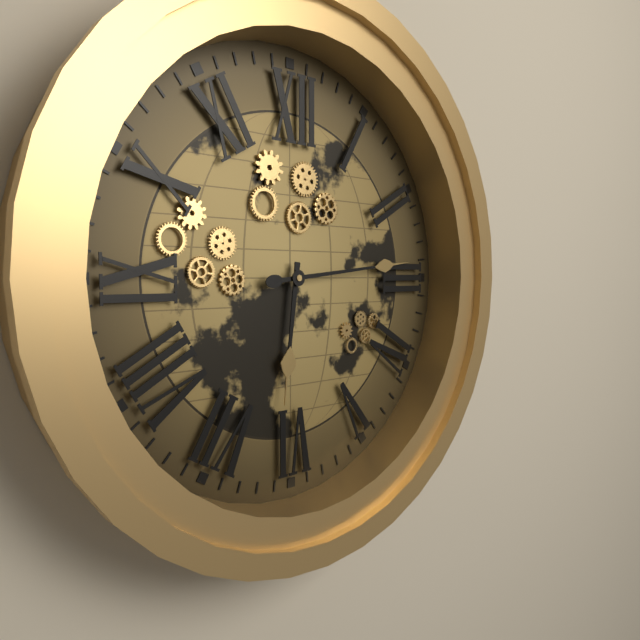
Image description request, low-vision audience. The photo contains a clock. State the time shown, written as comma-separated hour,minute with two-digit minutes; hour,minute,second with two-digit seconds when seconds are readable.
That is 6,14
